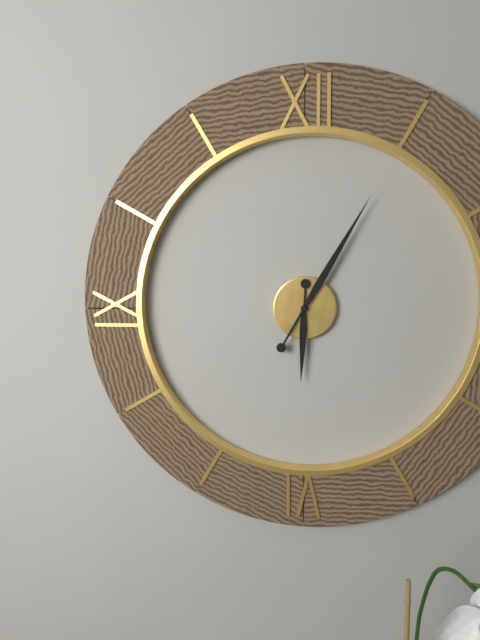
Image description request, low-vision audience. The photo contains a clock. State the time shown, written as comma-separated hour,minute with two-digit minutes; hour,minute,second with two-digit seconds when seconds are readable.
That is 6,05
